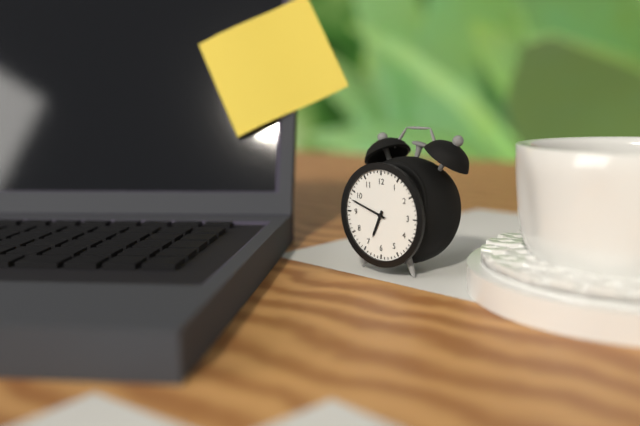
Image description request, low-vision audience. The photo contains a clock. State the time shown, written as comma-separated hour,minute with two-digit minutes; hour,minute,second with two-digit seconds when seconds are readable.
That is 6,48
